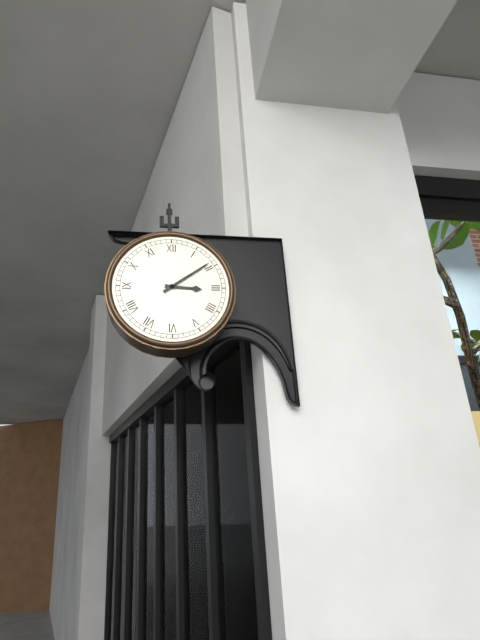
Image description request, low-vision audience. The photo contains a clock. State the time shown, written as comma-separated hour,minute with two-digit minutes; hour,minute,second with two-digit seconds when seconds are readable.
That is 3,09
